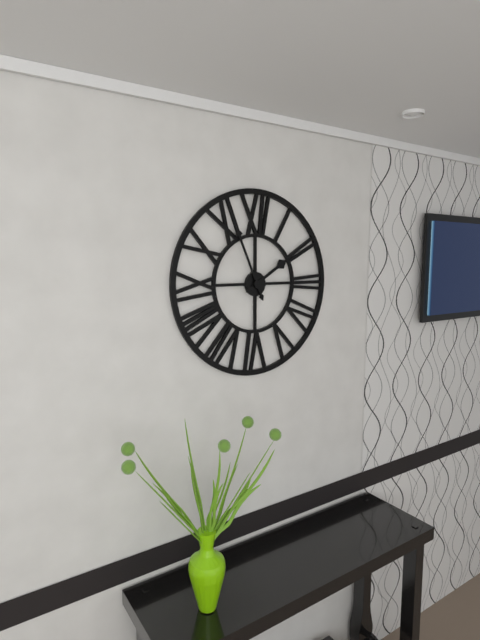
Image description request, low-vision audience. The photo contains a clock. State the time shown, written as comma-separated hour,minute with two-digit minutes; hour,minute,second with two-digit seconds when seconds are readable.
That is 1,56
